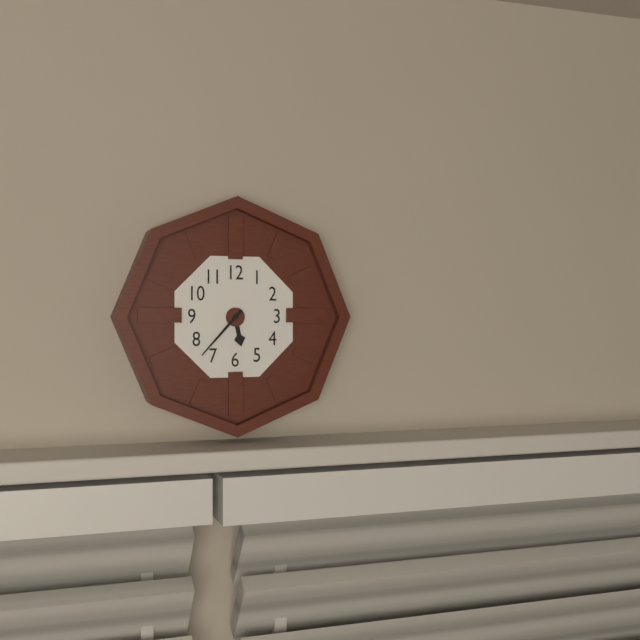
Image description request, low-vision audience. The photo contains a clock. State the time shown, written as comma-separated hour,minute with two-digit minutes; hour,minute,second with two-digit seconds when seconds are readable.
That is 5,37
